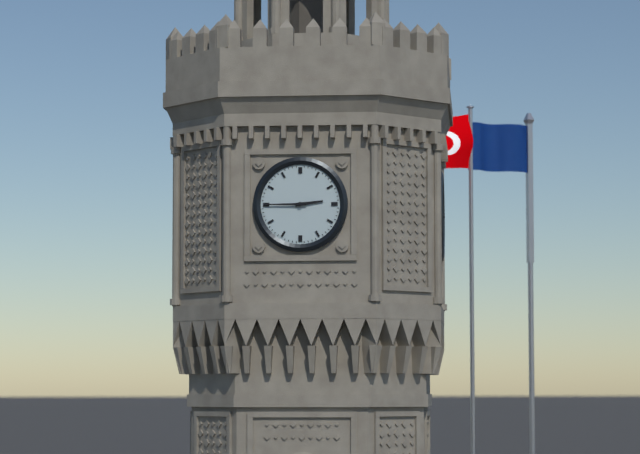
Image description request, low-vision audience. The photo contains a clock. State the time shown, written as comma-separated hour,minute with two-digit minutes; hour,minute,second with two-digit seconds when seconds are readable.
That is 2,45
